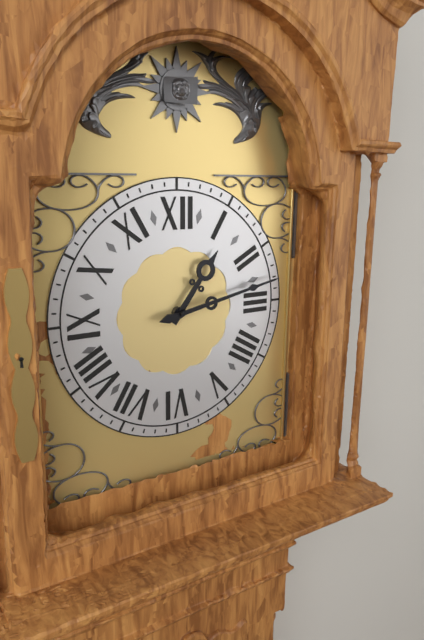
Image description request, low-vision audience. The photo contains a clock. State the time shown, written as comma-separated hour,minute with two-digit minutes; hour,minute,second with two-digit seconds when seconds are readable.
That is 1,13
